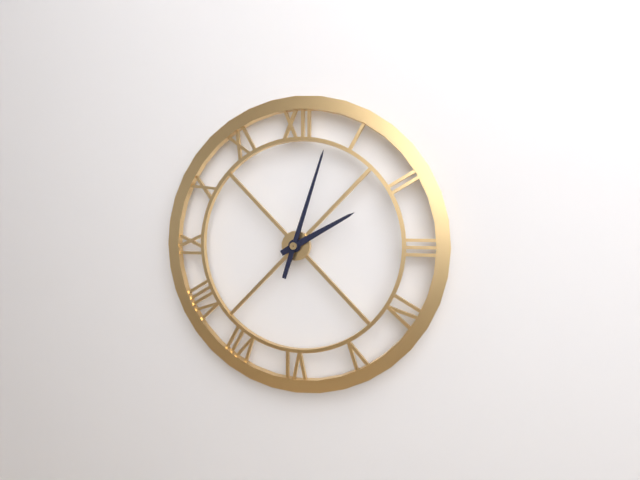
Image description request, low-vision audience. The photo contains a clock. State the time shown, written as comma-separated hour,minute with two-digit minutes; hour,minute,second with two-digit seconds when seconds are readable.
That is 2,03
